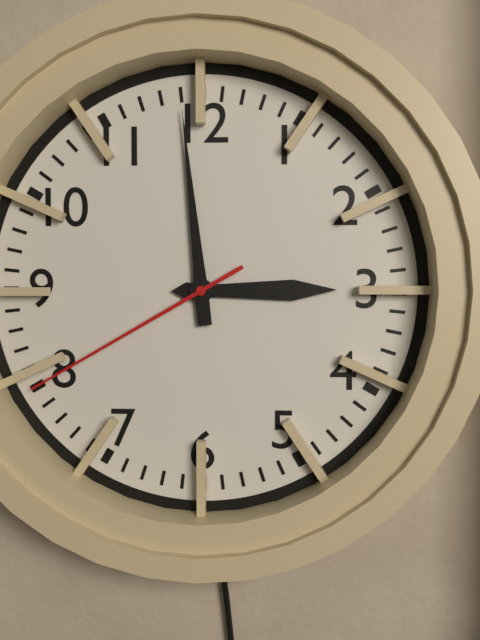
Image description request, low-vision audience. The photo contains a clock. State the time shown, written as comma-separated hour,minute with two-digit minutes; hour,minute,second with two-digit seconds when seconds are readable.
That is 2,59,40
